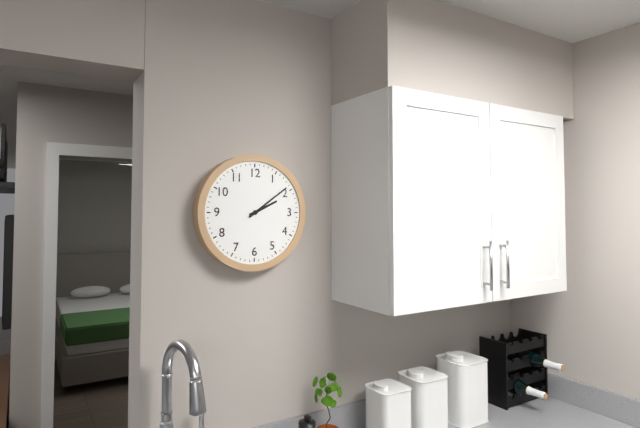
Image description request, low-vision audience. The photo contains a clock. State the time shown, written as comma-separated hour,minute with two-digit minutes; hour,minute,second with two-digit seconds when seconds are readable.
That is 2,09
